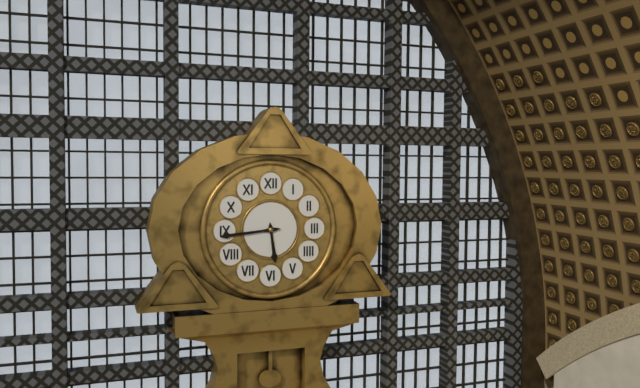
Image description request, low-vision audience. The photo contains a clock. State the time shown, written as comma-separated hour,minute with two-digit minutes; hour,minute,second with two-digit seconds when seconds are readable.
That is 5,44
